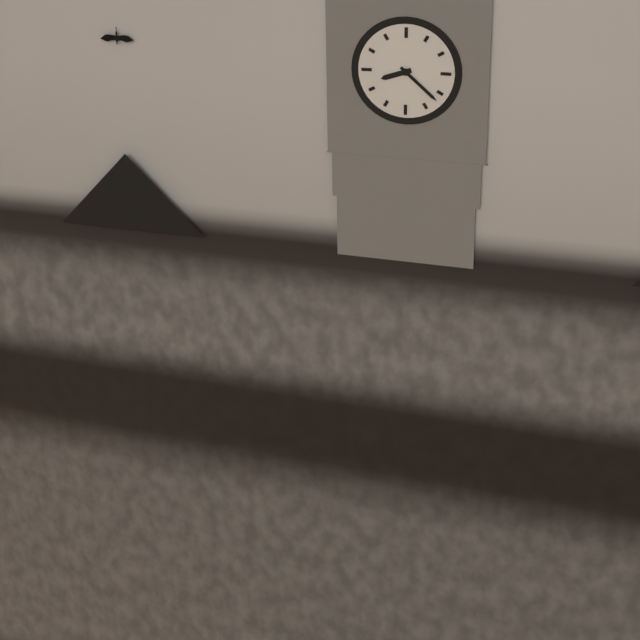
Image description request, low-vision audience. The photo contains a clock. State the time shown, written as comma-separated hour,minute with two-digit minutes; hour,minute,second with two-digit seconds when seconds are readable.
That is 8,22
